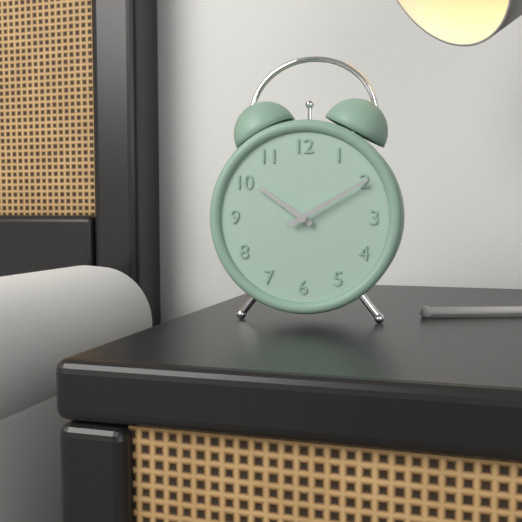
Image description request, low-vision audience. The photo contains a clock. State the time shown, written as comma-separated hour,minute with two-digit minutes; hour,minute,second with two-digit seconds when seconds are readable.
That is 10,10
